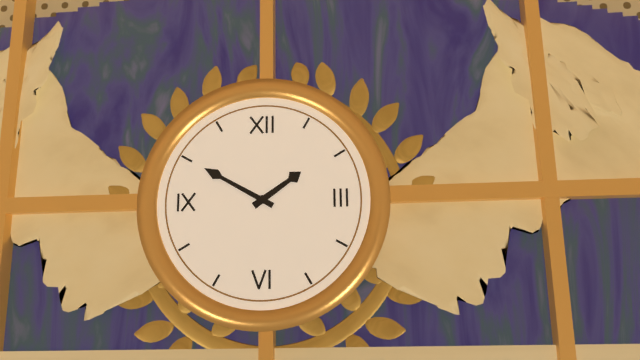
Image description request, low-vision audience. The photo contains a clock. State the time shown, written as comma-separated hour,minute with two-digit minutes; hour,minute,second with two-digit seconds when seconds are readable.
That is 1,50
